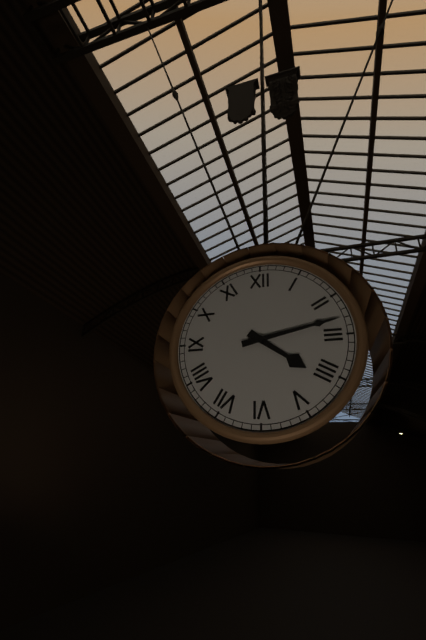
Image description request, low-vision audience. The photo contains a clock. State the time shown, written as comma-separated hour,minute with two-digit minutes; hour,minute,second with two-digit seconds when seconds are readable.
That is 4,13
